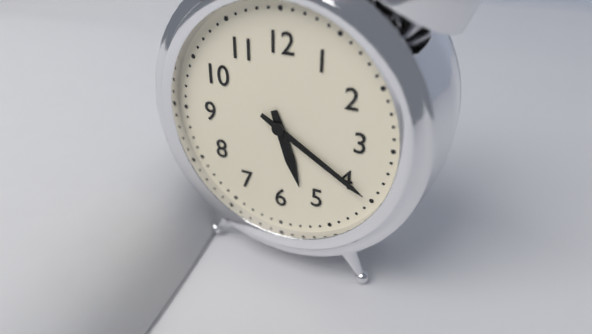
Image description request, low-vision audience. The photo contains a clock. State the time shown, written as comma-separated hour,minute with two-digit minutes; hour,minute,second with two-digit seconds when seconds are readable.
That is 5,20
